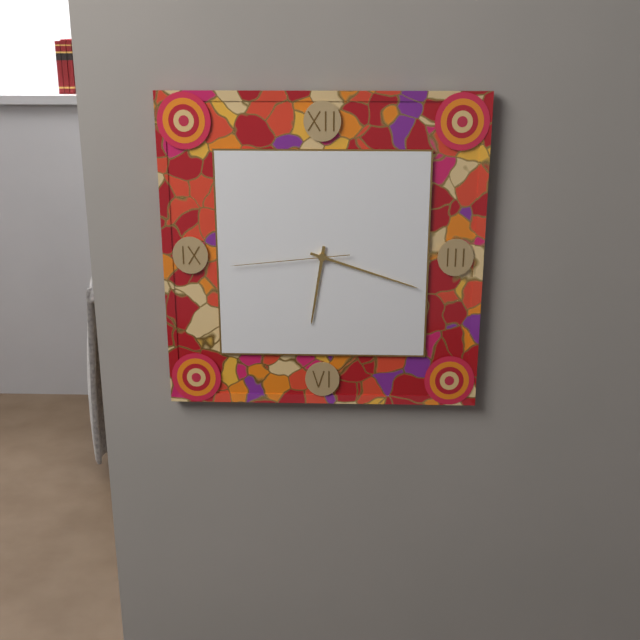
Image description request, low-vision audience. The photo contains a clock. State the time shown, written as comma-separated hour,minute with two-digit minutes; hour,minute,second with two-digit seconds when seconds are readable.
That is 6,18,44
